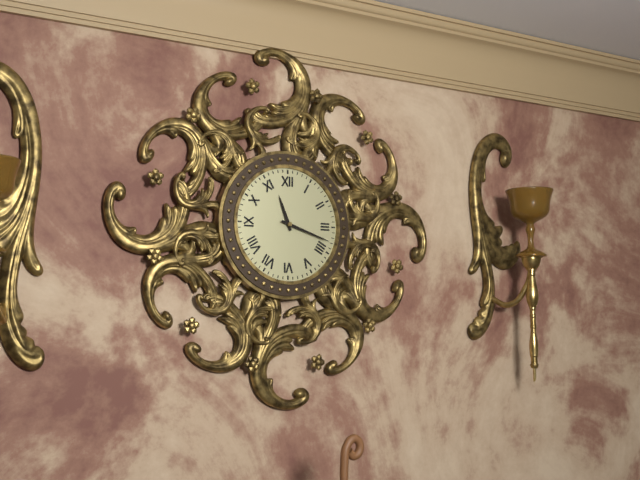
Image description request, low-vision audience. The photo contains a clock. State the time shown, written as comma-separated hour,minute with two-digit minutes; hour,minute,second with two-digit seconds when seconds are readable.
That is 11,18
